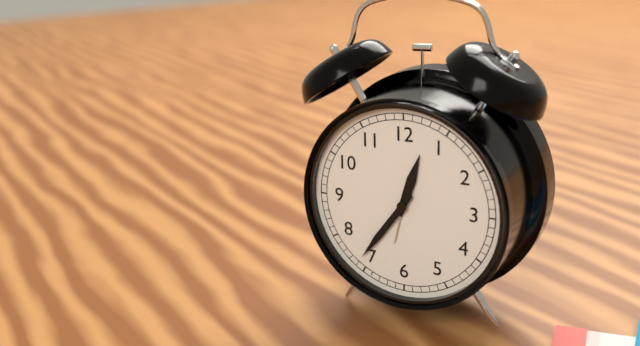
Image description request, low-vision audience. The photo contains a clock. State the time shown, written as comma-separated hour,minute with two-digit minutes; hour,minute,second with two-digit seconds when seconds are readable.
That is 12,36
